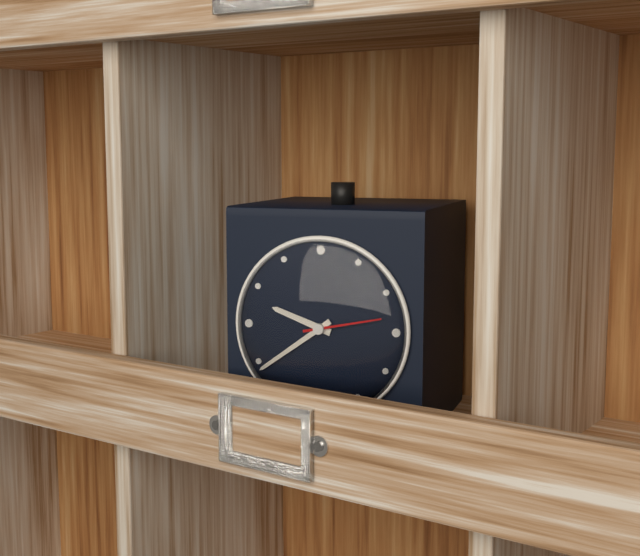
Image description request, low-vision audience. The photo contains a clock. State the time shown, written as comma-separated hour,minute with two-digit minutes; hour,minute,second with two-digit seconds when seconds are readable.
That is 9,39,13
